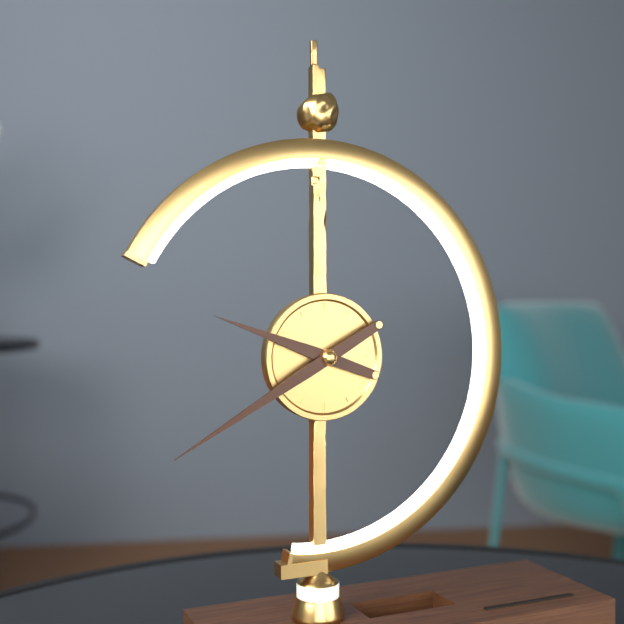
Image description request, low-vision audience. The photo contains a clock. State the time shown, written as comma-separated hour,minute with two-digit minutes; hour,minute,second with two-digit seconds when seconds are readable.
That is 9,40
